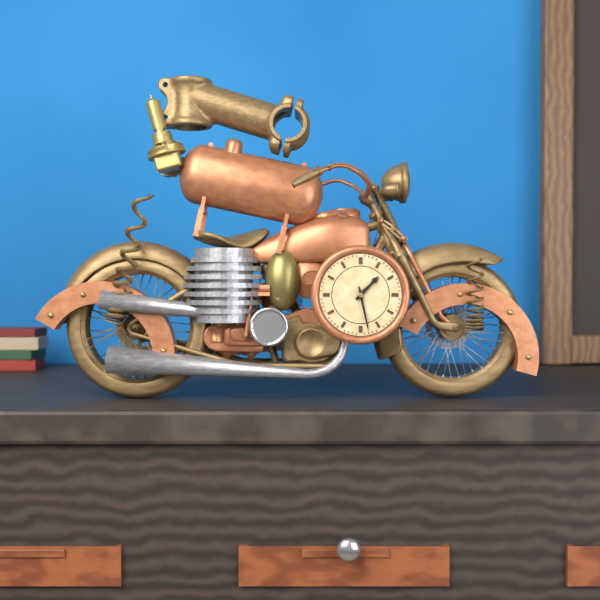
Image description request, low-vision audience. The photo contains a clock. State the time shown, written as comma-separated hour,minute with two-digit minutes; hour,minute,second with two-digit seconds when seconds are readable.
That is 1,28
